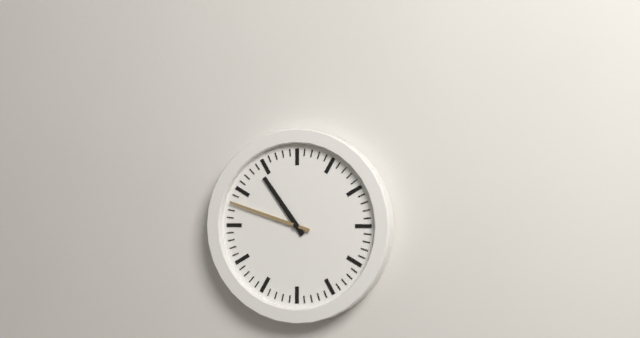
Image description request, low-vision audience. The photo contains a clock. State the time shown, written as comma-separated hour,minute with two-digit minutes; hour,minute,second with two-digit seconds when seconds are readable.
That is 10,48
